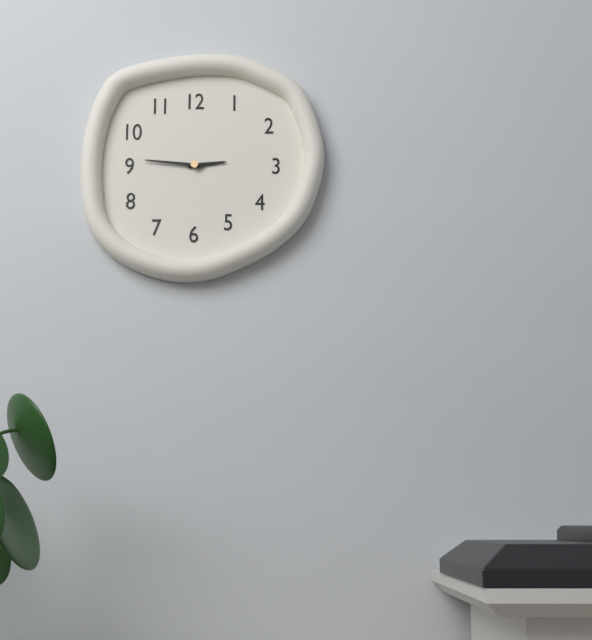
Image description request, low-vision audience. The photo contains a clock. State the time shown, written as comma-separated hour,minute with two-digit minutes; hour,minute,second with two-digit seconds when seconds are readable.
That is 2,46
